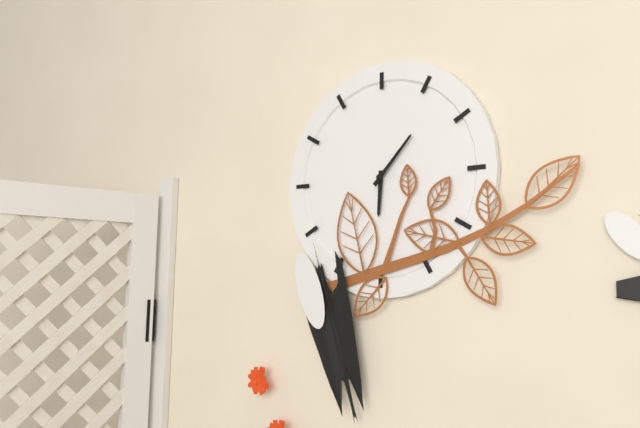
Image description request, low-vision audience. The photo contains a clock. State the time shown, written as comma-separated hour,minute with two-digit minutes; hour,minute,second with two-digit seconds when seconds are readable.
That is 6,07
